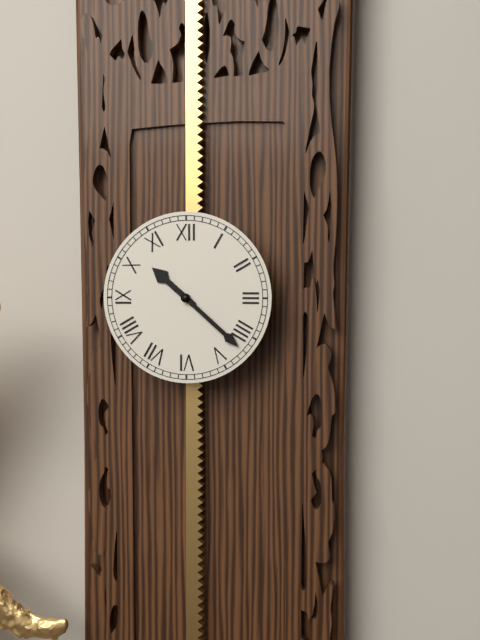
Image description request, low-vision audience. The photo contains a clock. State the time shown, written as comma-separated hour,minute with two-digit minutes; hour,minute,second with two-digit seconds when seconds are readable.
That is 10,22
